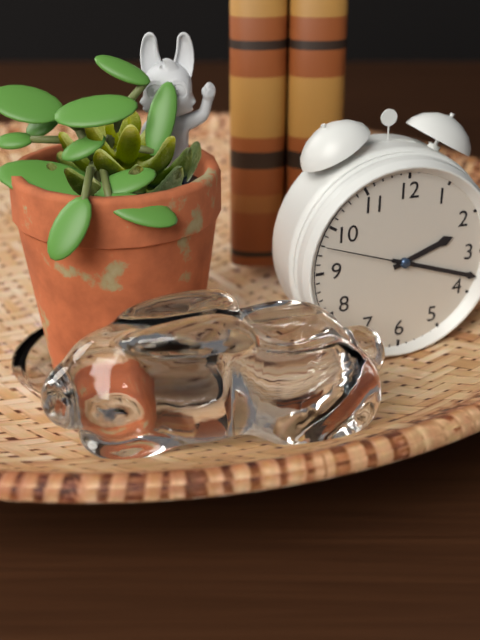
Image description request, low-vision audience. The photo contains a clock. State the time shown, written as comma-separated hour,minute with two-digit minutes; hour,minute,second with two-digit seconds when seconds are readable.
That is 2,18,48
